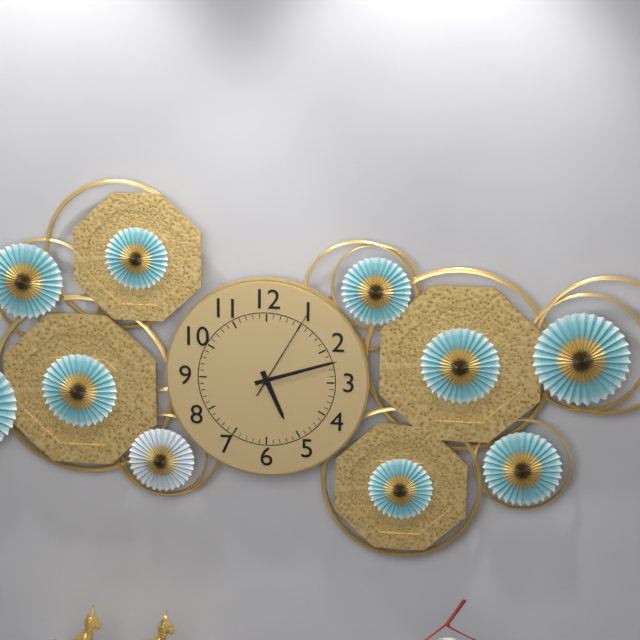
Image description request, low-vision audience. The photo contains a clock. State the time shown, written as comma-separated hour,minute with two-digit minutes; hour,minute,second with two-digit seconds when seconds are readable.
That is 5,12,05
